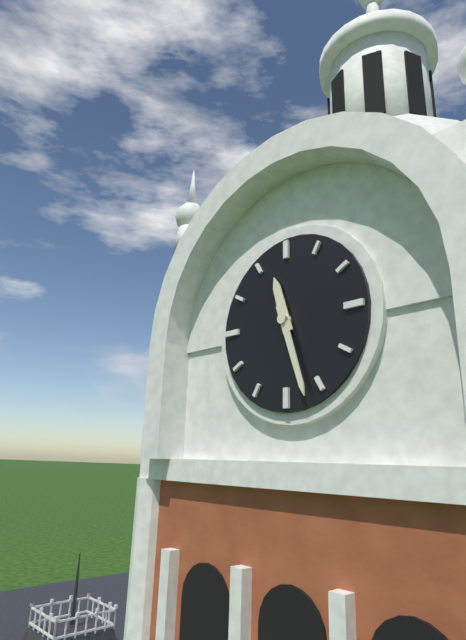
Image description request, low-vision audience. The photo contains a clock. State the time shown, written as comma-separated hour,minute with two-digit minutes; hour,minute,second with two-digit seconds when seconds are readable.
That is 11,27
